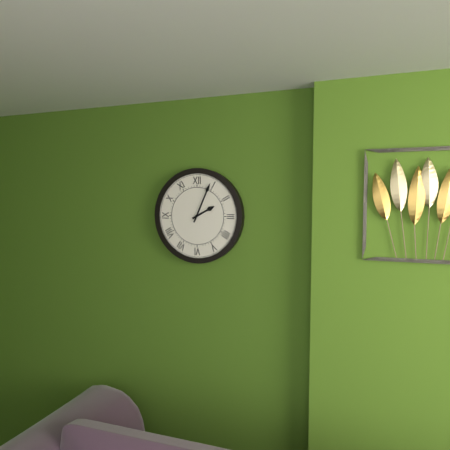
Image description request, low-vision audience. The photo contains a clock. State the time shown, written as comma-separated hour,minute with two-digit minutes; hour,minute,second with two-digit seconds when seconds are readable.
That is 2,04
